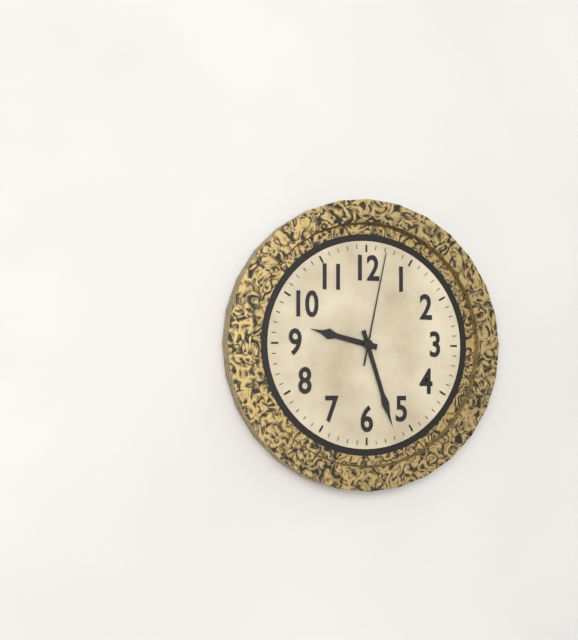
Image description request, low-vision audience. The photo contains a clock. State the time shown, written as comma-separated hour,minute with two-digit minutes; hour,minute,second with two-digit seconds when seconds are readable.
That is 9,27,02
